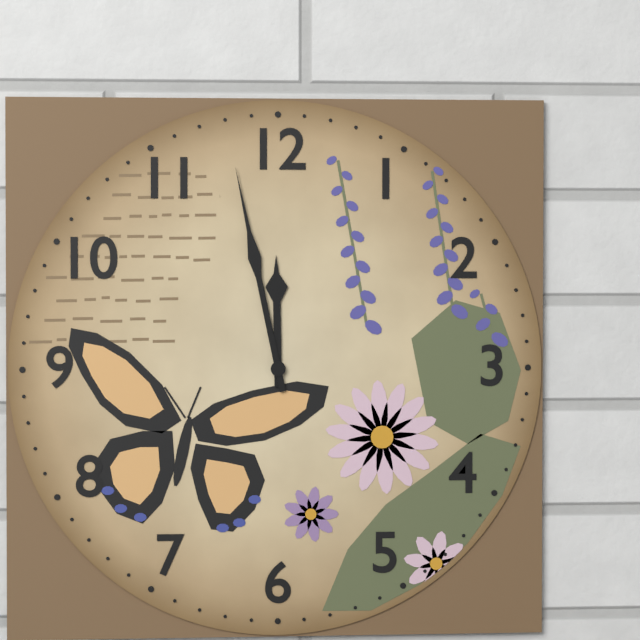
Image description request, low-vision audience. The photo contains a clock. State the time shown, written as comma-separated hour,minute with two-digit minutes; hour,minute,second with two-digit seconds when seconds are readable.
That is 11,58
